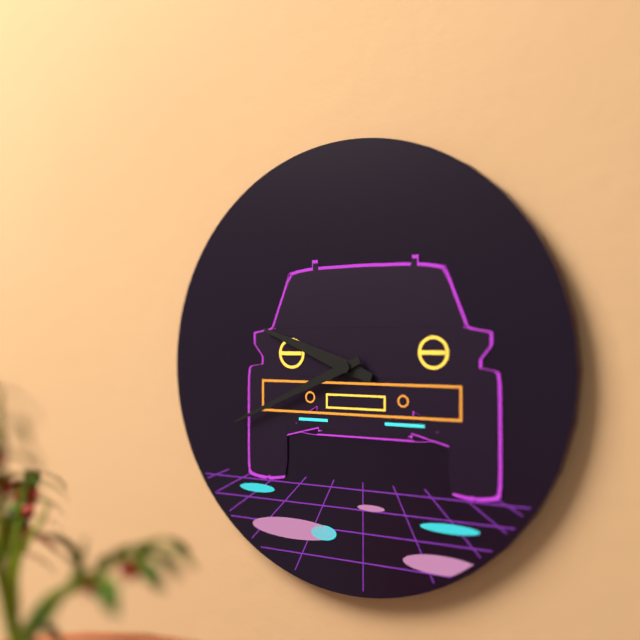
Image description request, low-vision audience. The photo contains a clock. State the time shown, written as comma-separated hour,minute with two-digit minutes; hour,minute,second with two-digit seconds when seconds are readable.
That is 9,41
